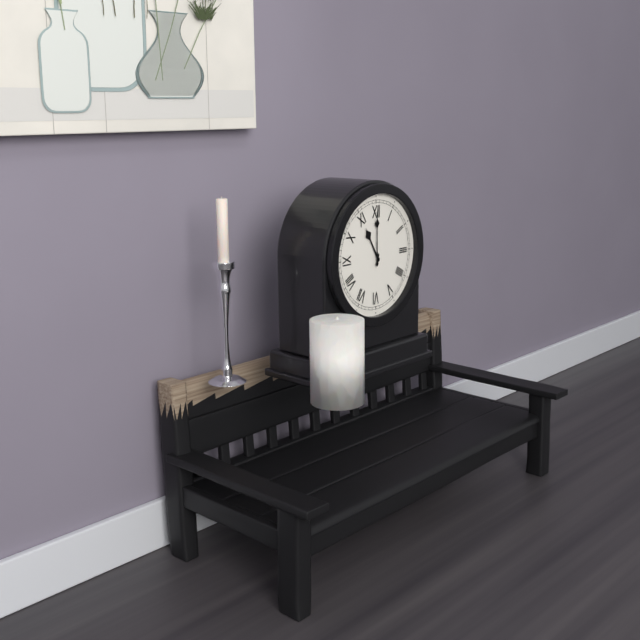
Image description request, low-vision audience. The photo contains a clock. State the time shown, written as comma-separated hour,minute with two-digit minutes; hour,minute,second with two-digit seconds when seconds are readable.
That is 11,00
